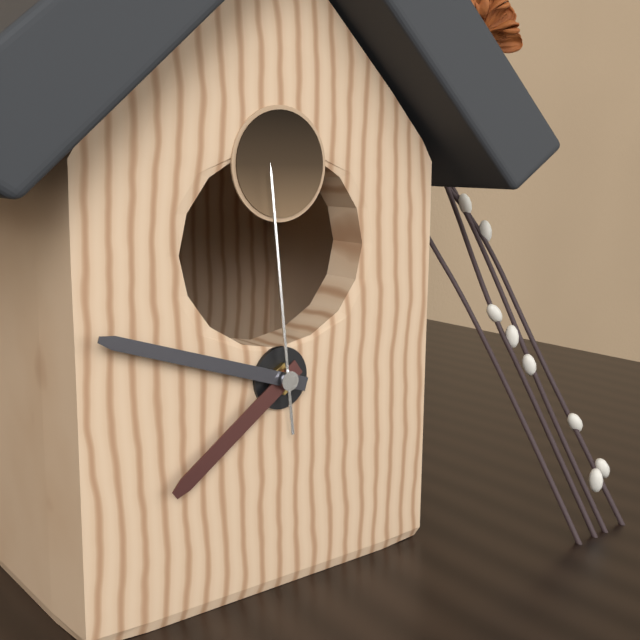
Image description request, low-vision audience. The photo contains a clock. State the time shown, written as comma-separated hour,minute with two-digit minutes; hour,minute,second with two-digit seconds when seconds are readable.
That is 7,48,59
